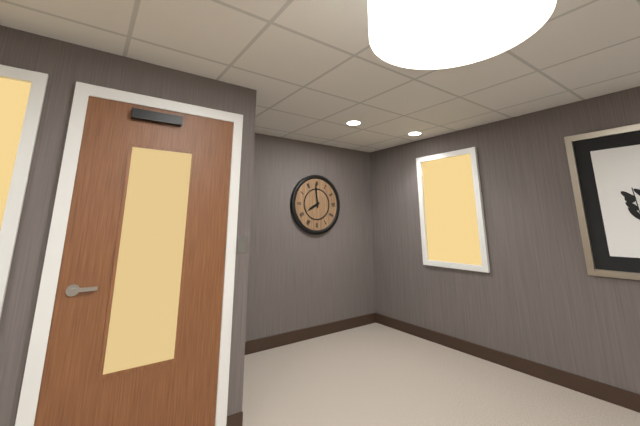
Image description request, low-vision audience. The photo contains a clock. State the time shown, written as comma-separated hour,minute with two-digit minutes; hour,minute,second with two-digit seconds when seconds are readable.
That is 7,59
